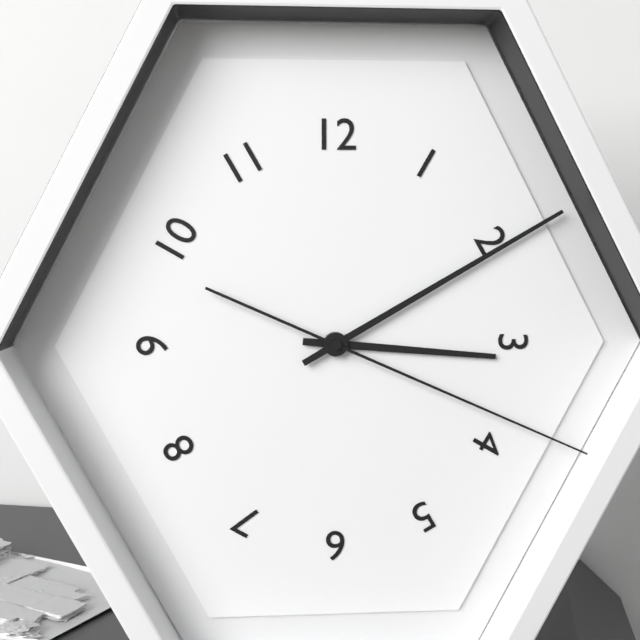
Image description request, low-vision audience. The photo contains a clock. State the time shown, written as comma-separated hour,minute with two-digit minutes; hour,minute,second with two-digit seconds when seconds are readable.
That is 3,10,19
